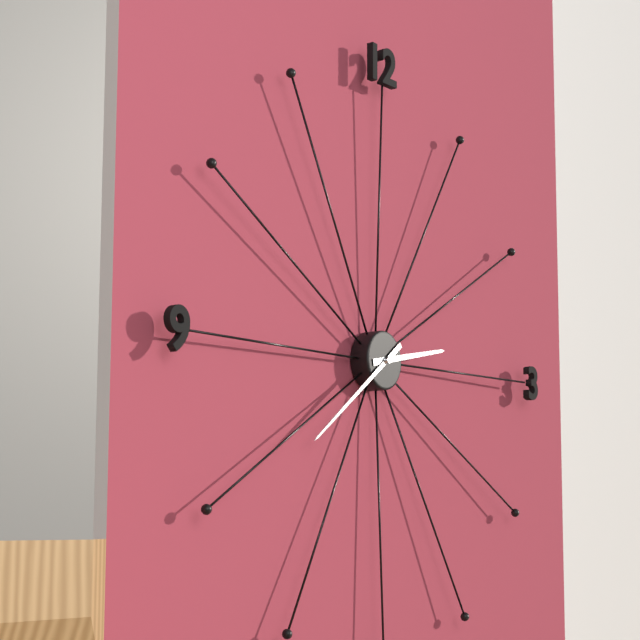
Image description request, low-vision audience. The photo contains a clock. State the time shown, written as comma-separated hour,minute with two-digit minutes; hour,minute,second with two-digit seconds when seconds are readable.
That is 2,39
